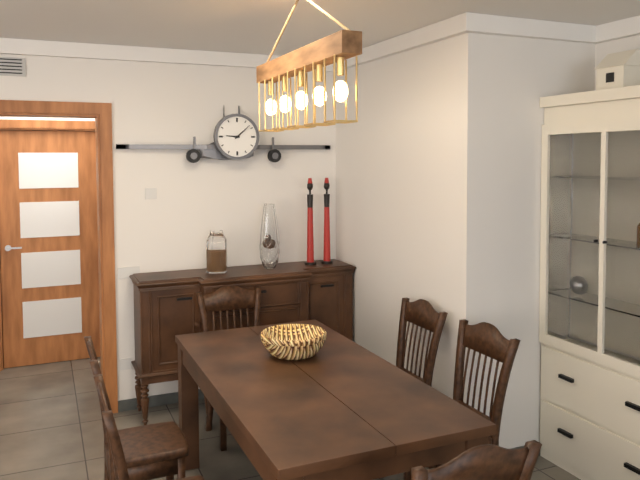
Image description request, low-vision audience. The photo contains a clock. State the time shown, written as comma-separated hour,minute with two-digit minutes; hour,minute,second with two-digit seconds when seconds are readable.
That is 9,08
